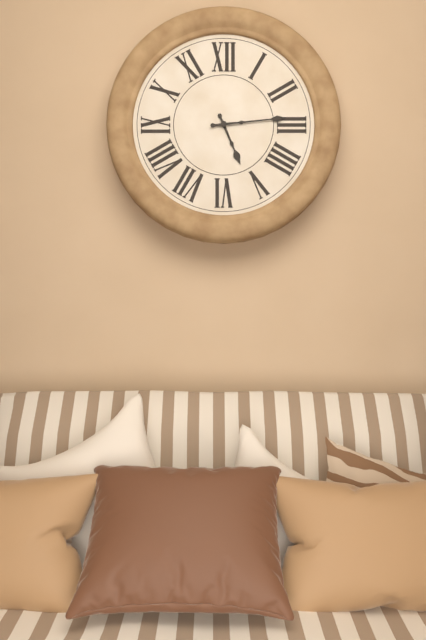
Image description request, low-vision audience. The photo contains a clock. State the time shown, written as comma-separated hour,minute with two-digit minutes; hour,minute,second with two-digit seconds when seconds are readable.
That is 5,14
